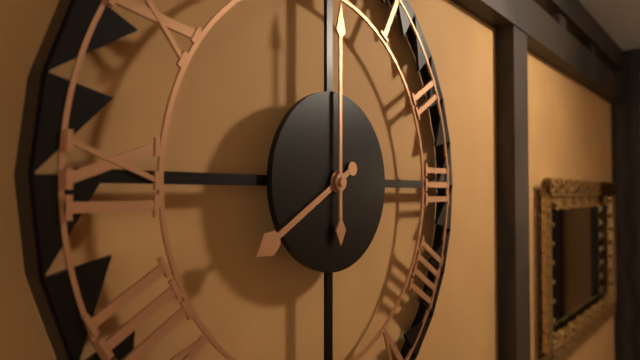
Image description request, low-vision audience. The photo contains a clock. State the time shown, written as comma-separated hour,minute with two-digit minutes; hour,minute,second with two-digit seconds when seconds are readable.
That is 8,00
